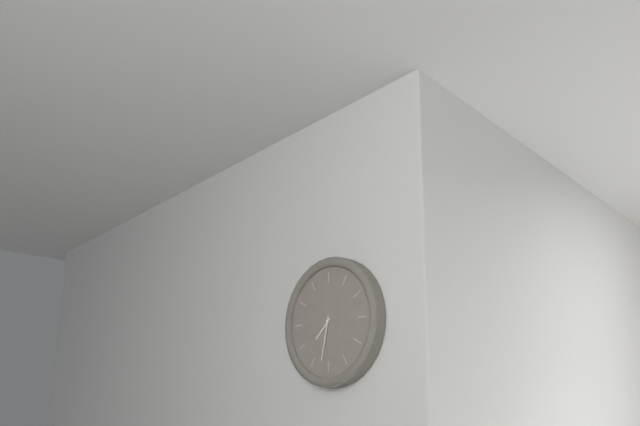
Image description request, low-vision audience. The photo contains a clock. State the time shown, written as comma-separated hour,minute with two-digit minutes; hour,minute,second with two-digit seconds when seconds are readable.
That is 7,32
